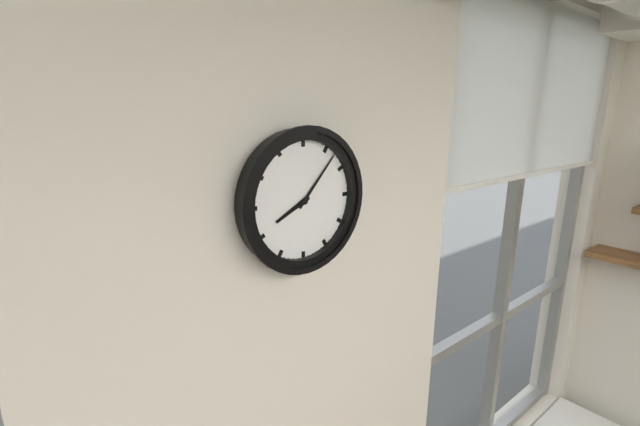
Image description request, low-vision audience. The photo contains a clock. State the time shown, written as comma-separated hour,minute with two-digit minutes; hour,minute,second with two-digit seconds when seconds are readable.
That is 8,07
